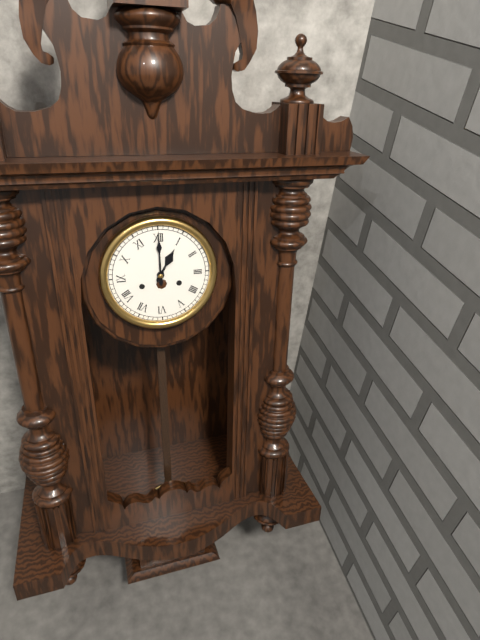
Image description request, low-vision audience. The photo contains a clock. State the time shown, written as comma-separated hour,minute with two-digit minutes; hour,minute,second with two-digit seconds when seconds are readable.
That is 1,00
